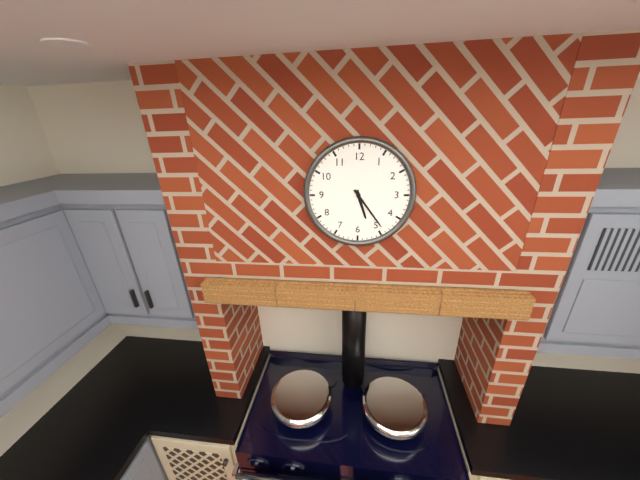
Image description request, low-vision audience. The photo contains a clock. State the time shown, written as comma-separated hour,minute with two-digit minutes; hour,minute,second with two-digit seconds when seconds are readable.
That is 5,24
